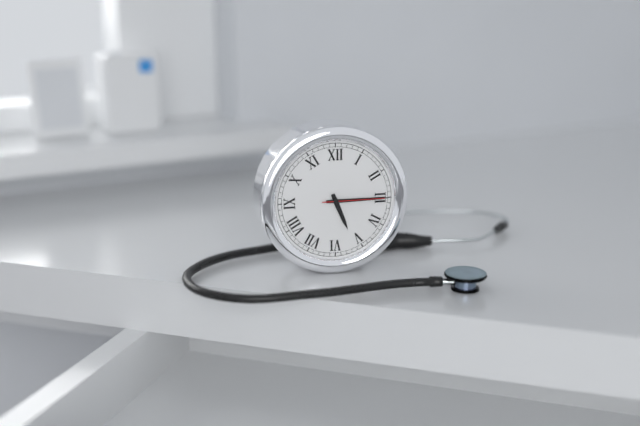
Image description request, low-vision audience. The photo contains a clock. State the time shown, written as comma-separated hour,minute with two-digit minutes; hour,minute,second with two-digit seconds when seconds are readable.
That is 5,15,15
